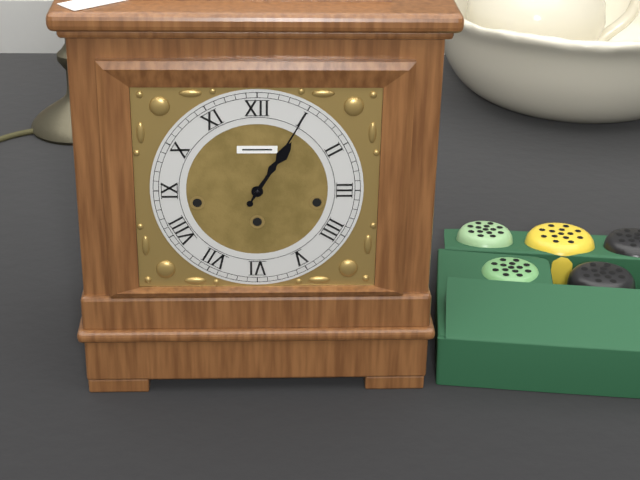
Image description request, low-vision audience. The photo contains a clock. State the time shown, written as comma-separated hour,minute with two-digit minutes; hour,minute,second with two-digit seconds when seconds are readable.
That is 1,05
